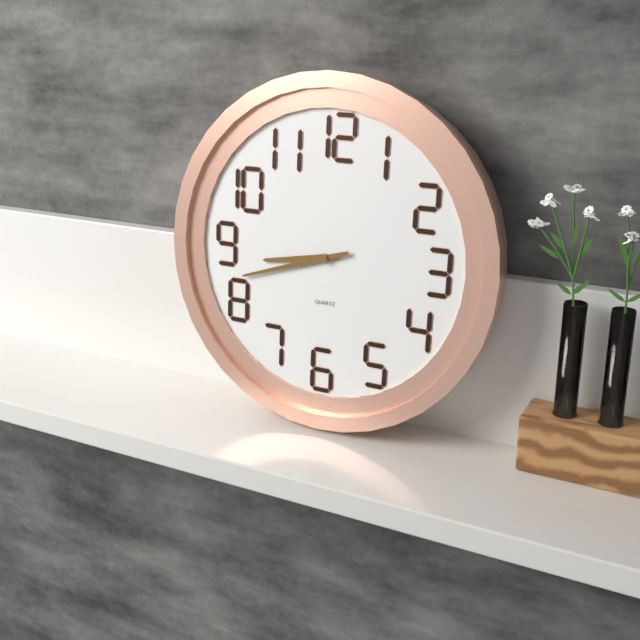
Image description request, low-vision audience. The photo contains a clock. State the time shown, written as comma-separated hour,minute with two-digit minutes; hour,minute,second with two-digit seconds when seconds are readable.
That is 8,42
